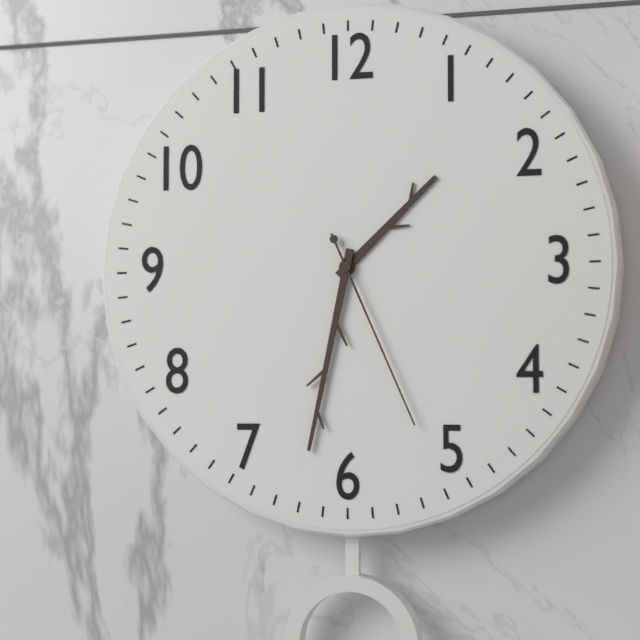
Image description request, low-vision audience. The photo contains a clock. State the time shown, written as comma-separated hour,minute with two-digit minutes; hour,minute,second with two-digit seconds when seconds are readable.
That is 1,32,26
